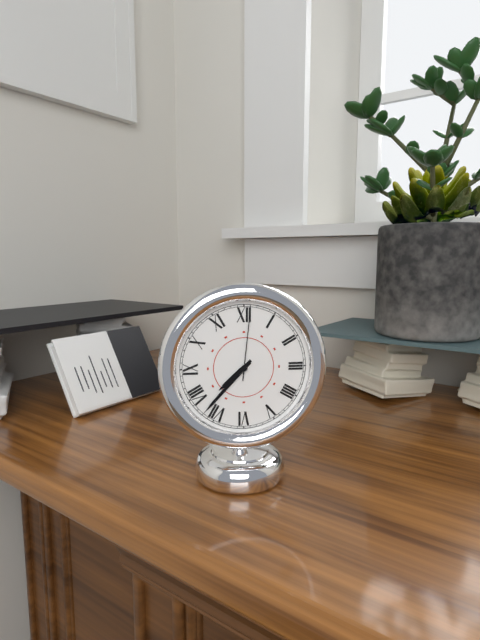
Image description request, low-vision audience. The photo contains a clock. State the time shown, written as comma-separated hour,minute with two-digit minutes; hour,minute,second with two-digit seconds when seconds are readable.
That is 7,37,01
